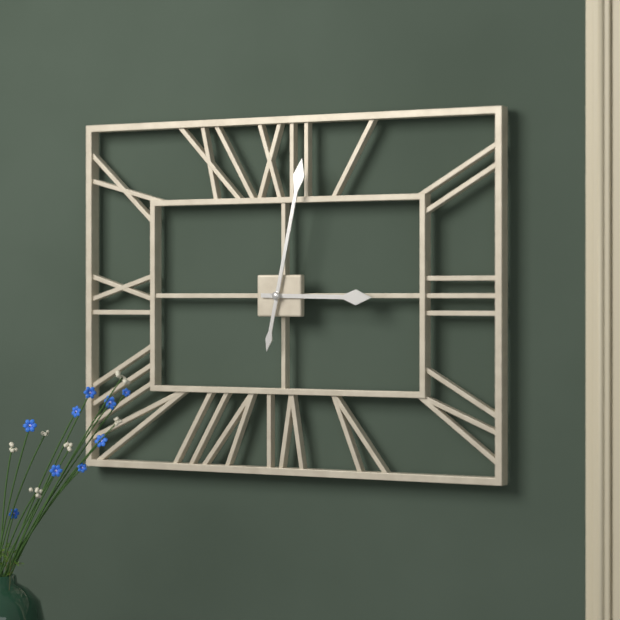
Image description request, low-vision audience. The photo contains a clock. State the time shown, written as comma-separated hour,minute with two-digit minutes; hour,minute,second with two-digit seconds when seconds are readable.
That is 3,02
